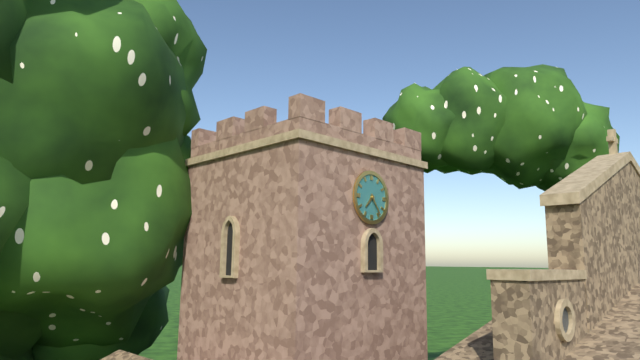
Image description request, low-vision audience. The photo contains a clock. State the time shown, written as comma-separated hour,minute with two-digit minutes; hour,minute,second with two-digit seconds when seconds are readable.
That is 7,24
